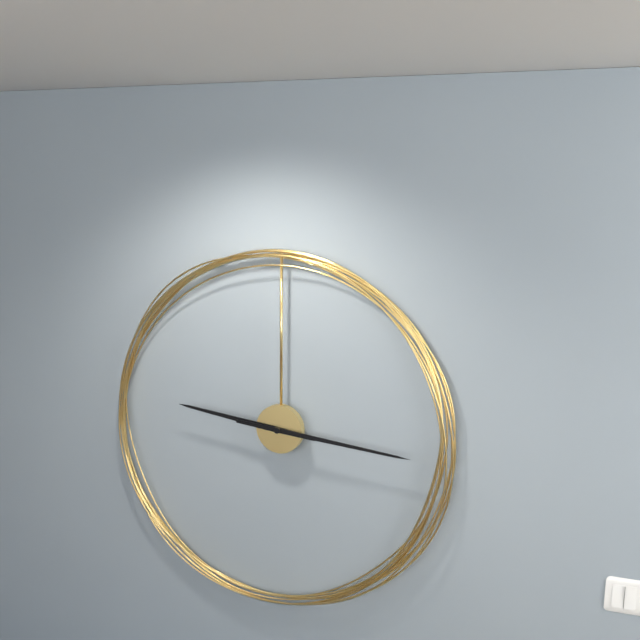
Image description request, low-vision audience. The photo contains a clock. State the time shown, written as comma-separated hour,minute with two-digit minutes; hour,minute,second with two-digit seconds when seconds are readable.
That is 9,16
